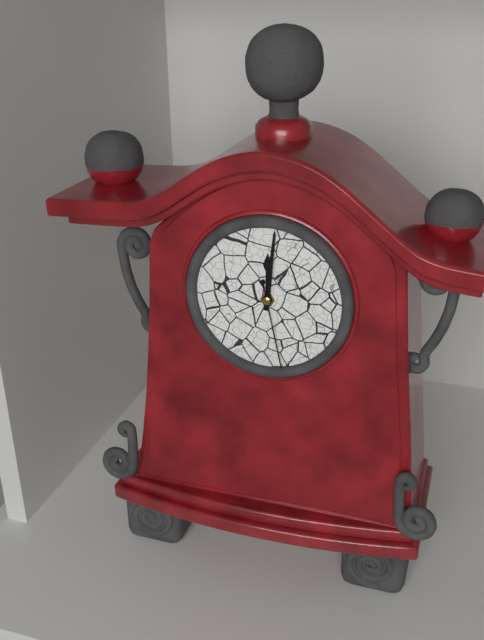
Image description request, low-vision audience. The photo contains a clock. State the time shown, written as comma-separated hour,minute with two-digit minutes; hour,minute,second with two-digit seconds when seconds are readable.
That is 12,01,28
